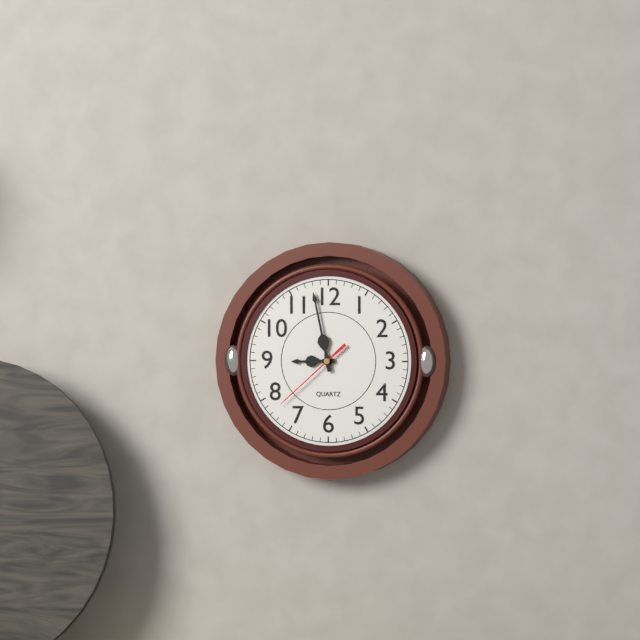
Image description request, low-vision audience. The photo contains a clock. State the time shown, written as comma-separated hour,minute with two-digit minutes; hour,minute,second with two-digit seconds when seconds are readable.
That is 8,58,38
